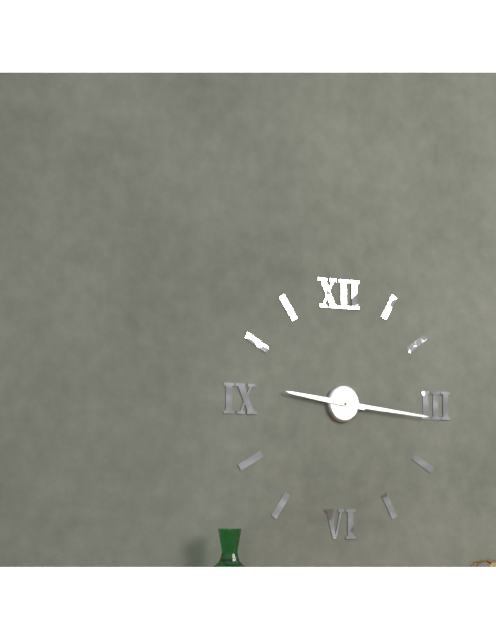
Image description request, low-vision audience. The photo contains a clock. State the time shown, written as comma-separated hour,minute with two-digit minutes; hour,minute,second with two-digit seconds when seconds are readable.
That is 9,16
